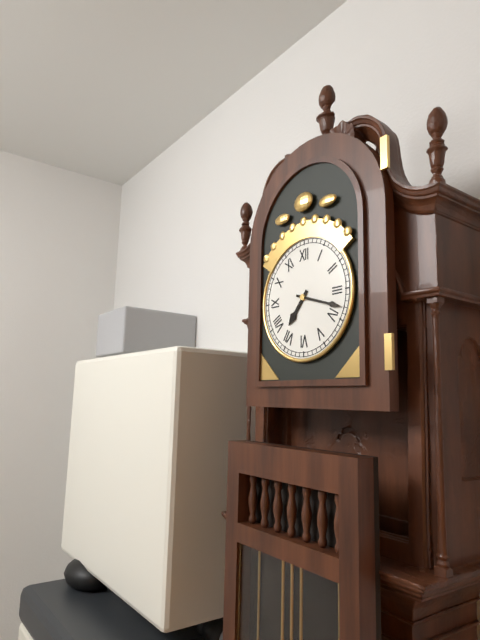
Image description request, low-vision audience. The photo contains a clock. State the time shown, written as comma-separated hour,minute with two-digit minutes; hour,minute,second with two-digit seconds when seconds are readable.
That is 7,18
